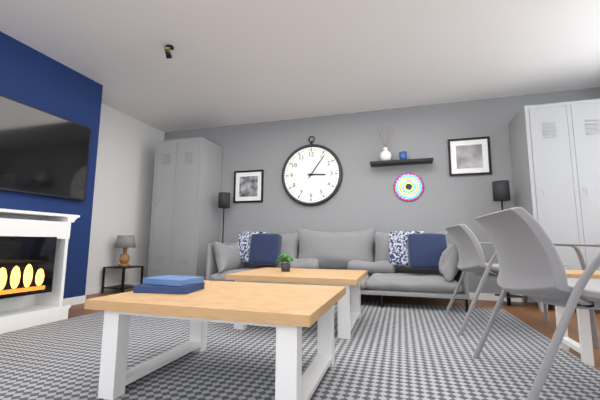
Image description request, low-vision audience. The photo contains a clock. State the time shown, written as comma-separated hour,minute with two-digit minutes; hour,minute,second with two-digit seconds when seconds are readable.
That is 3,06
